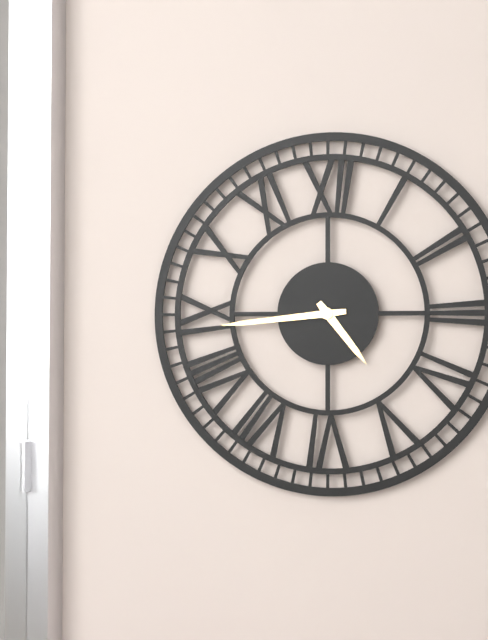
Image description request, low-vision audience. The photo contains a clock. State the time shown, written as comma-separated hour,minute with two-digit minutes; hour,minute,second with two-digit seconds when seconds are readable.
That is 4,44
